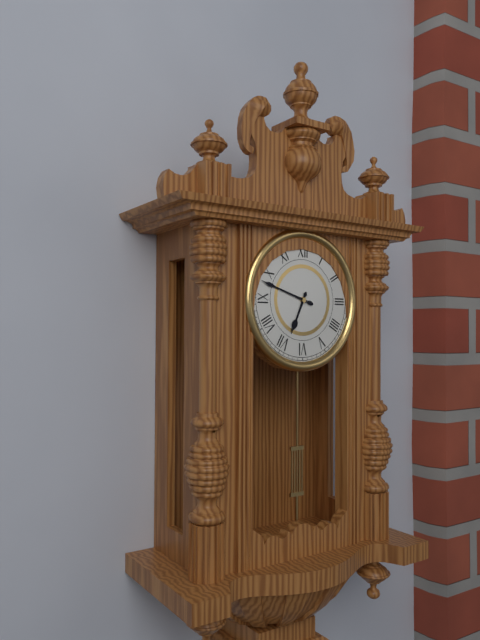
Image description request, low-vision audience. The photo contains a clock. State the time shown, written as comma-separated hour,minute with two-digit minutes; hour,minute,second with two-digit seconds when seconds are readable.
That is 6,48
